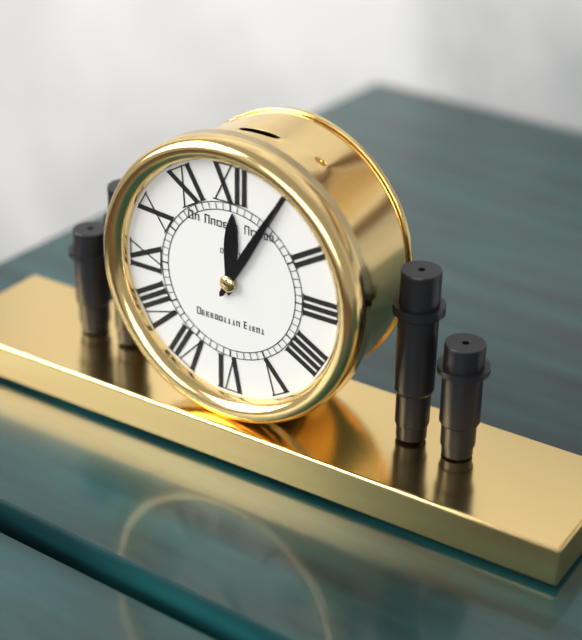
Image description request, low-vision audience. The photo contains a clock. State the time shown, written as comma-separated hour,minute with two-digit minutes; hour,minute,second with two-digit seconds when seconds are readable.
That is 12,05
